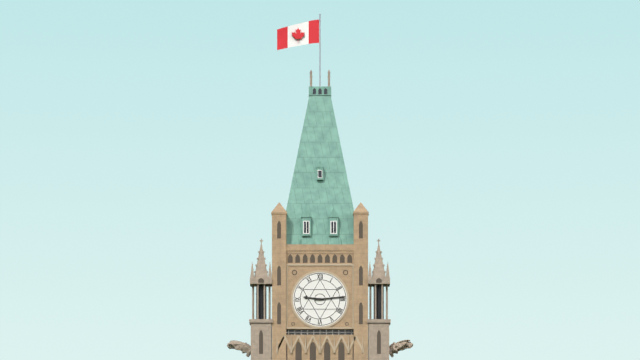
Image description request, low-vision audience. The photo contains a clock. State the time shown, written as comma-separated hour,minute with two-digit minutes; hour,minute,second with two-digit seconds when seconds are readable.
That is 9,14
